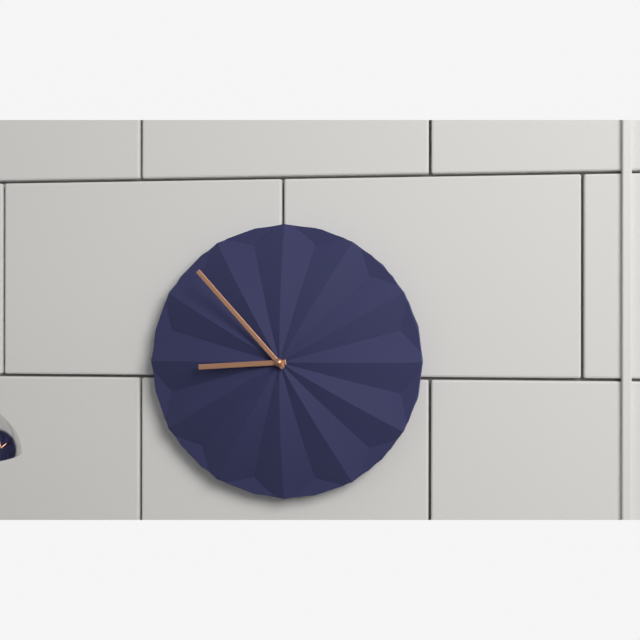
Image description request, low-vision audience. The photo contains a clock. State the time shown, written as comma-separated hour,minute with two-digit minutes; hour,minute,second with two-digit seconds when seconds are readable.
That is 8,53
